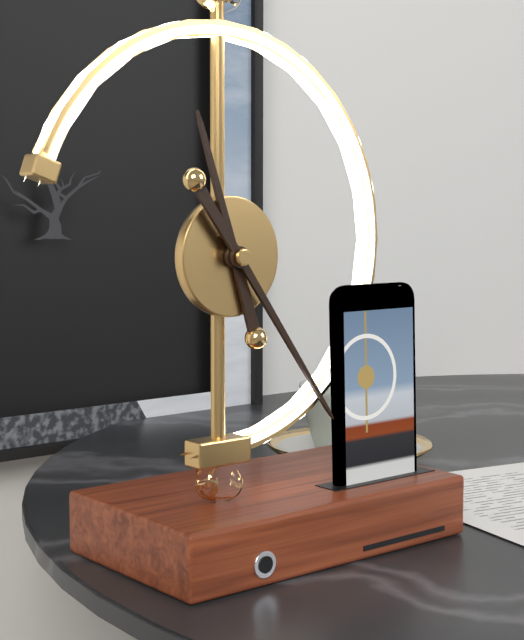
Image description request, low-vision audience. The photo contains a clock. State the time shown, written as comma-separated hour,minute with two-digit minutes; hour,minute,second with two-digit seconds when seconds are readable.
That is 11,24
